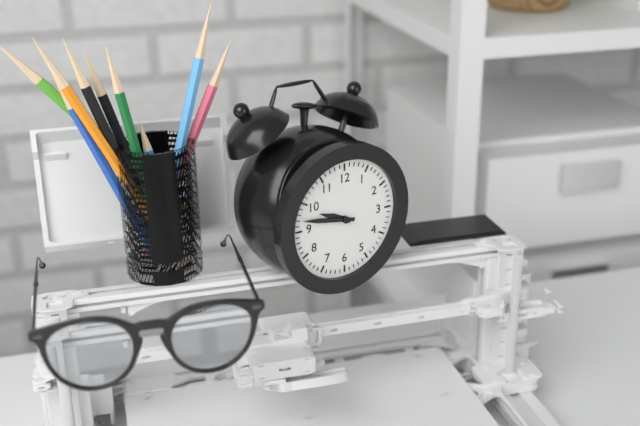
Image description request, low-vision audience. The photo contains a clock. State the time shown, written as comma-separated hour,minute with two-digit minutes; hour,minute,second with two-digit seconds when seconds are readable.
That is 9,47
